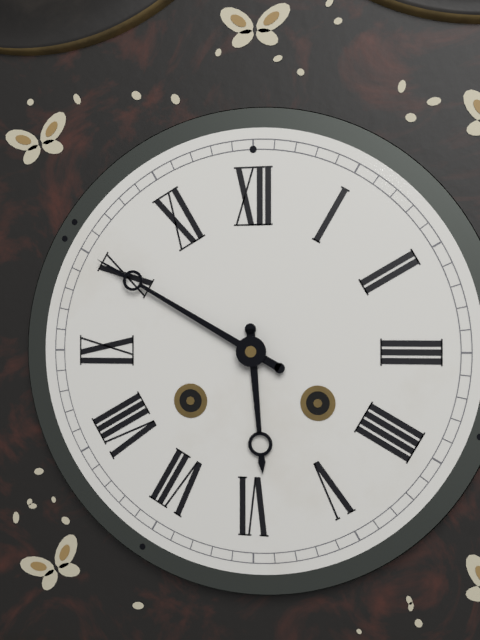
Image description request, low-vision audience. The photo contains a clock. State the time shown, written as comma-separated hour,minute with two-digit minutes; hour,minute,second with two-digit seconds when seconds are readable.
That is 5,50
